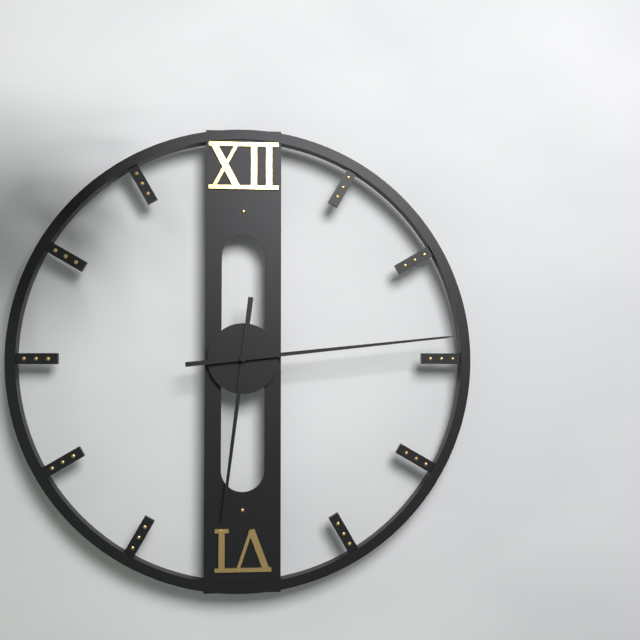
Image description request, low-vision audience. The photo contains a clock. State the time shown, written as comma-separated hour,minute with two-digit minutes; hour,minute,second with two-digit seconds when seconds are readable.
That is 6,14
